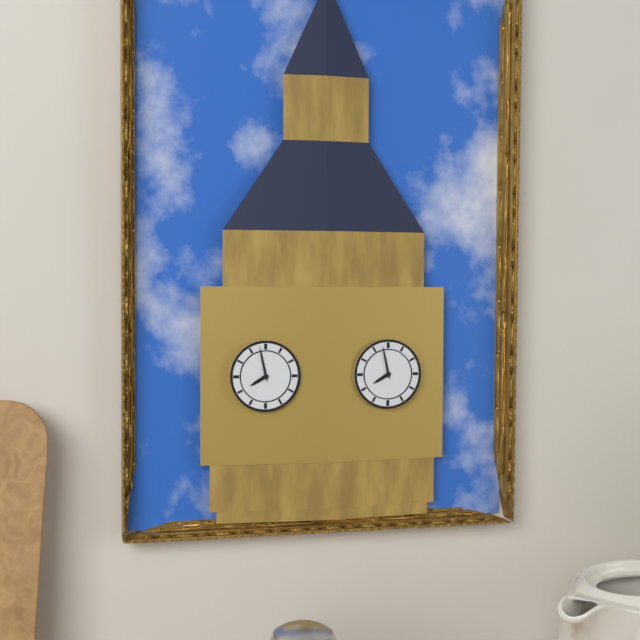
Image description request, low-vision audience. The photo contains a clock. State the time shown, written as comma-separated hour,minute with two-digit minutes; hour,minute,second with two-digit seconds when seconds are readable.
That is 7,58
